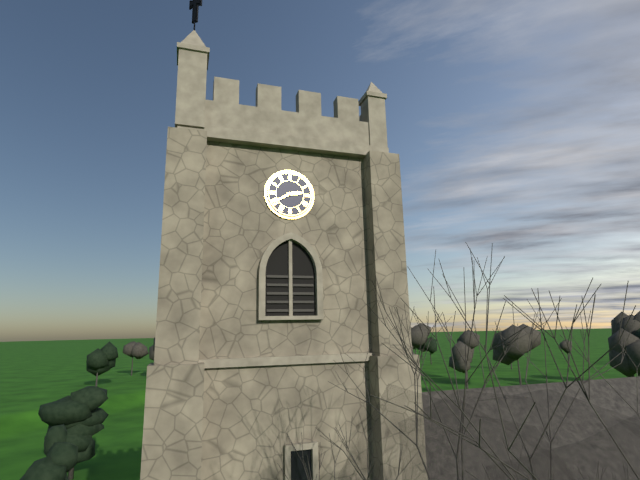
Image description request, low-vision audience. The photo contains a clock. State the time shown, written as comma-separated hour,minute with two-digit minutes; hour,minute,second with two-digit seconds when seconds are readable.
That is 2,40
